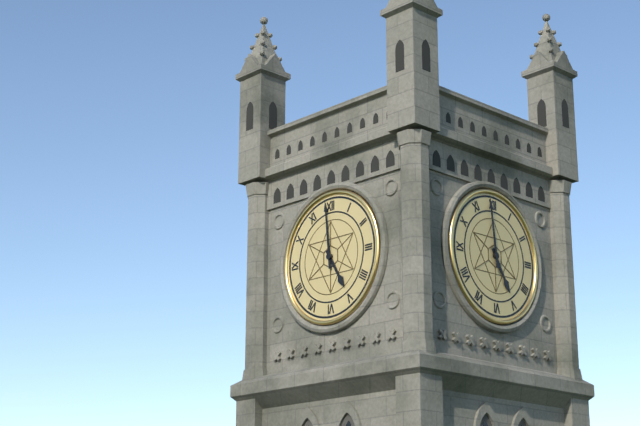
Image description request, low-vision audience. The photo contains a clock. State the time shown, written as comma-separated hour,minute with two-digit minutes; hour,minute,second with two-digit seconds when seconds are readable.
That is 4,59
